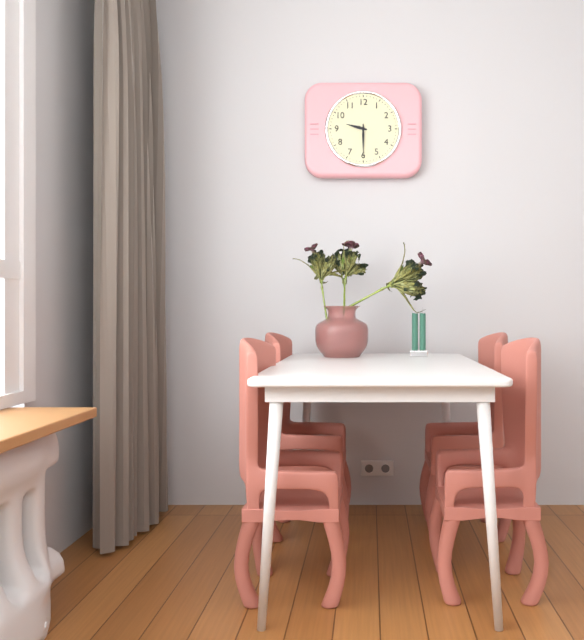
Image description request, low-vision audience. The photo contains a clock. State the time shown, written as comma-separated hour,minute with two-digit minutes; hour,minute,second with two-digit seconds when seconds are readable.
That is 9,30
